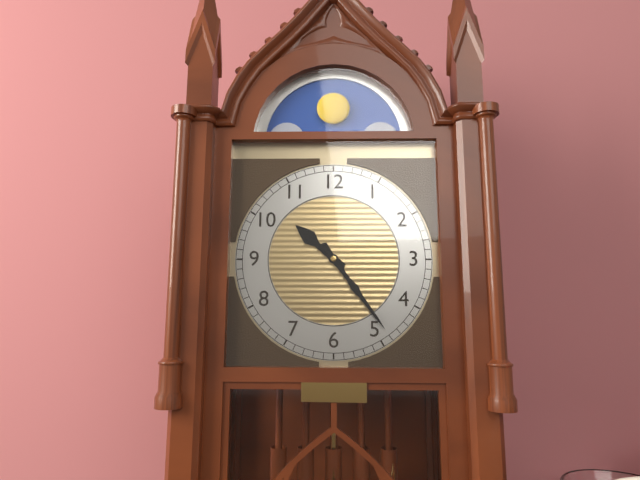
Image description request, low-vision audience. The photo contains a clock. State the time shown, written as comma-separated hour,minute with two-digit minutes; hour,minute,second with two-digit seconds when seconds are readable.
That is 10,24
